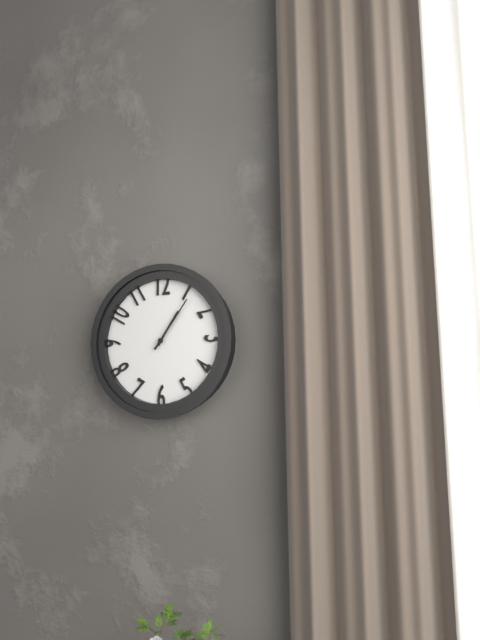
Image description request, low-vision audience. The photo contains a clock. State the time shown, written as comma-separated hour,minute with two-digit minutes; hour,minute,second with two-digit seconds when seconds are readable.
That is 1,06
